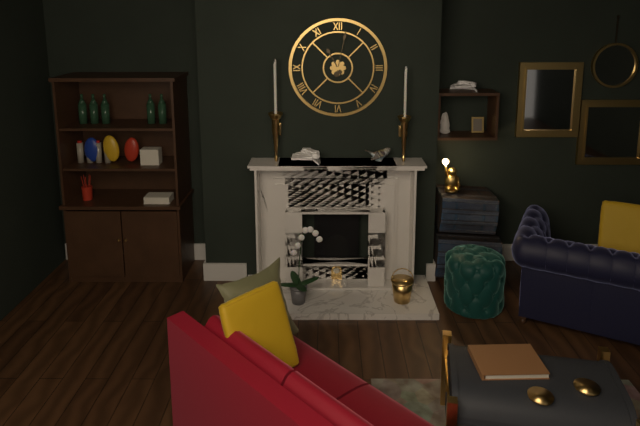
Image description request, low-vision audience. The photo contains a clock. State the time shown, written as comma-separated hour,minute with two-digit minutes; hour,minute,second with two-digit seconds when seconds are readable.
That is 11,02
